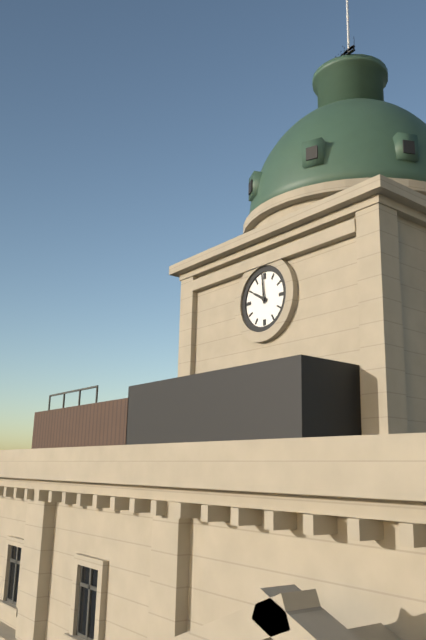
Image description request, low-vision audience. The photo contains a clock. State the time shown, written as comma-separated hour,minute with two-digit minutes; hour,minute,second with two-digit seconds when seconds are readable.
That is 9,59
